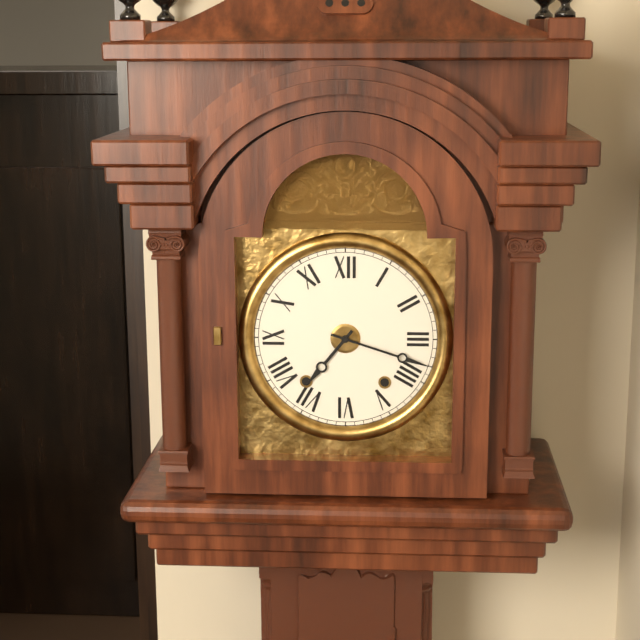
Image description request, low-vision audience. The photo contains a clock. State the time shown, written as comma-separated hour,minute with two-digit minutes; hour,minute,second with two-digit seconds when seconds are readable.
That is 7,18
